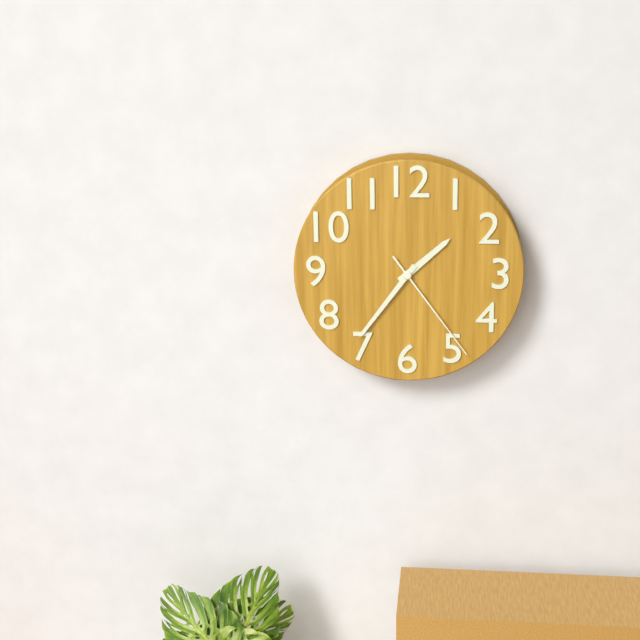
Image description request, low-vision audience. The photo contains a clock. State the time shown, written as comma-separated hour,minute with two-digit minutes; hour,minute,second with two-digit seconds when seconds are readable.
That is 1,36,24
